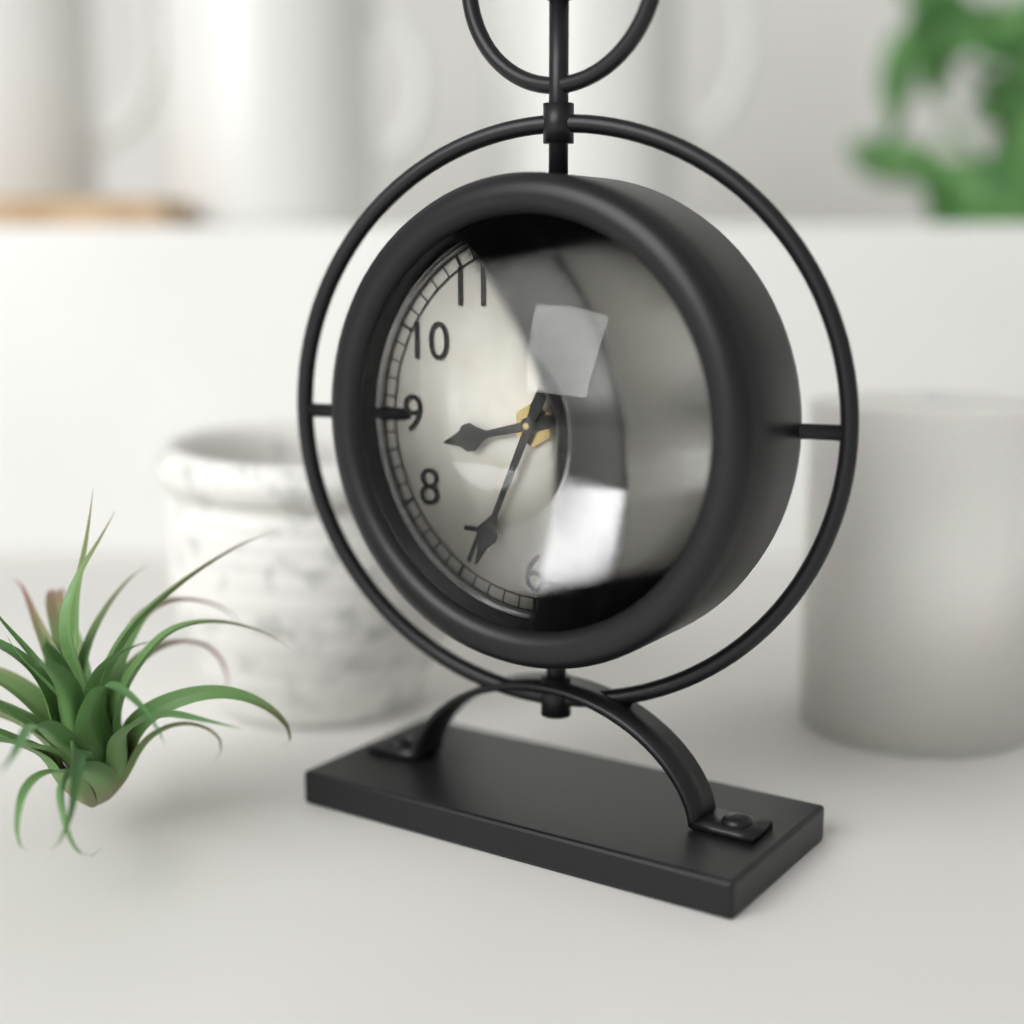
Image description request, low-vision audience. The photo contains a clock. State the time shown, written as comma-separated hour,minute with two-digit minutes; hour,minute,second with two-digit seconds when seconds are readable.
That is 8,34
